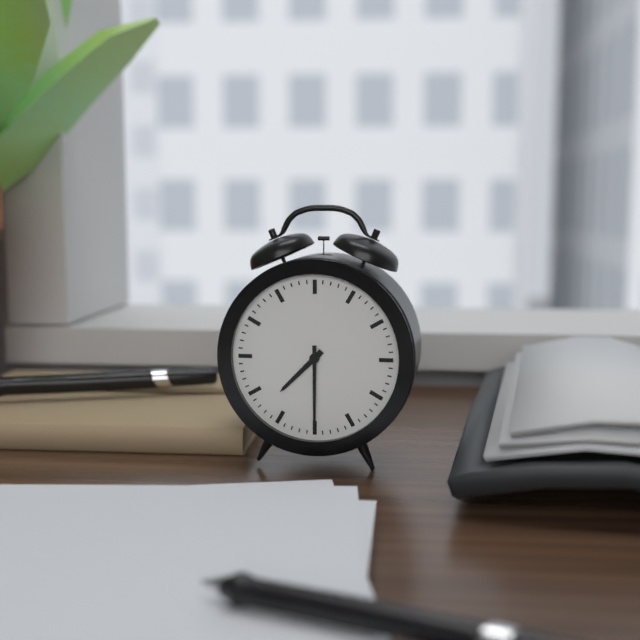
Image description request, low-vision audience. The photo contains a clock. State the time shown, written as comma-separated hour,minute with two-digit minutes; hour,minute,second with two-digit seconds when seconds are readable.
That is 7,30
